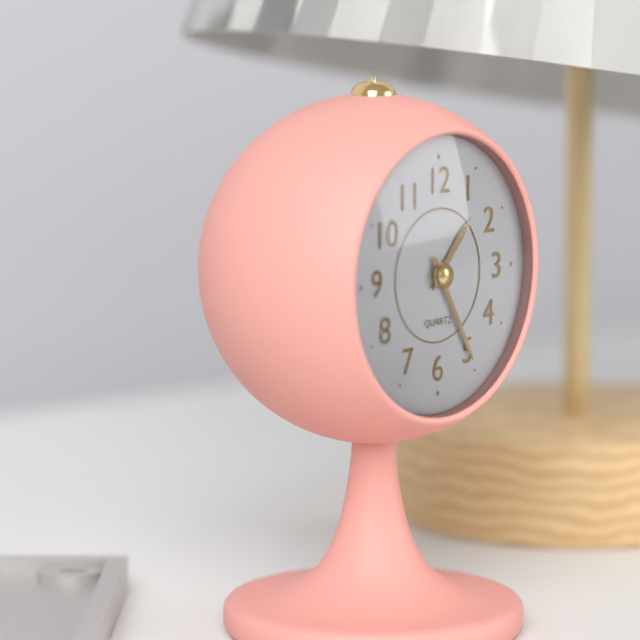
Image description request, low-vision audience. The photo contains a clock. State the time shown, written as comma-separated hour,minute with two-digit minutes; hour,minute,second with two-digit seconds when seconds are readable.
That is 1,25
